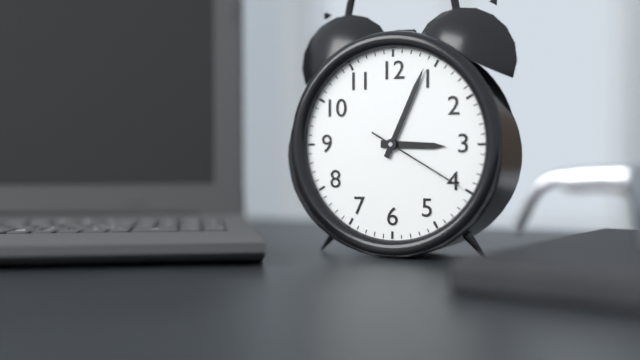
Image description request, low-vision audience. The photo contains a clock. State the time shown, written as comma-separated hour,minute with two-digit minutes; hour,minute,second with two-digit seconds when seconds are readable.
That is 3,04,20
